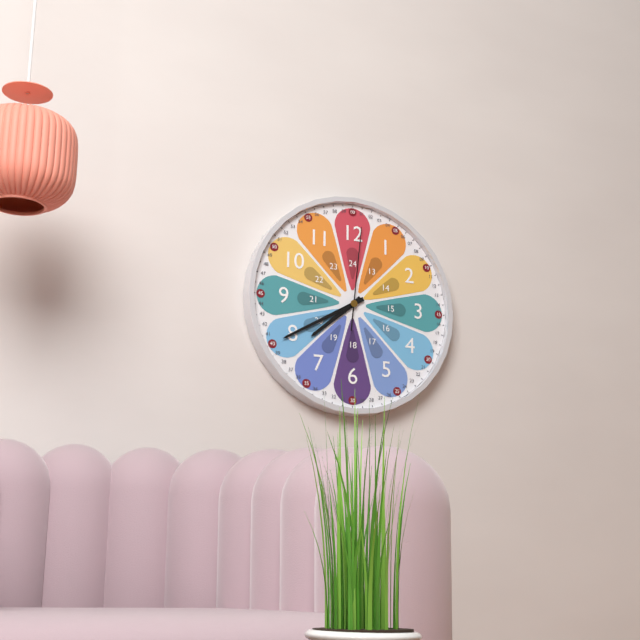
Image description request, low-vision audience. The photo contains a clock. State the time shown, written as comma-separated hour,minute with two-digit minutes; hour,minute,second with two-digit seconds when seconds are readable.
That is 7,40,01
